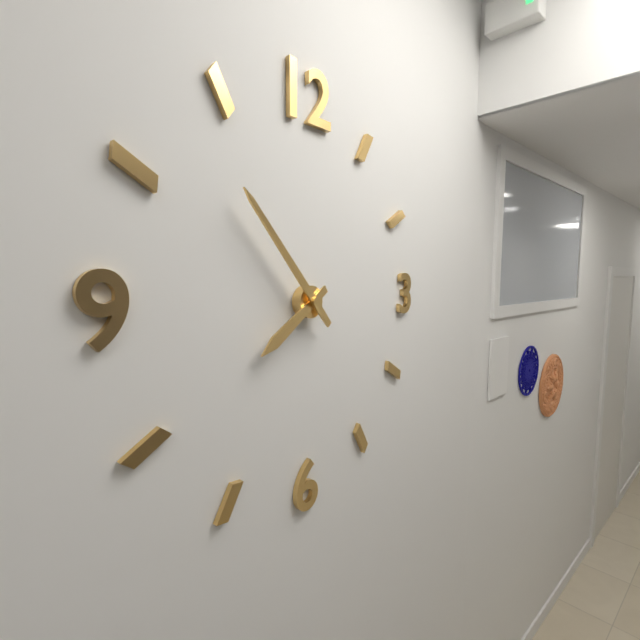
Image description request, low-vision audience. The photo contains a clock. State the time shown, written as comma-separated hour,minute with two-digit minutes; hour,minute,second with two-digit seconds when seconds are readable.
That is 7,53
